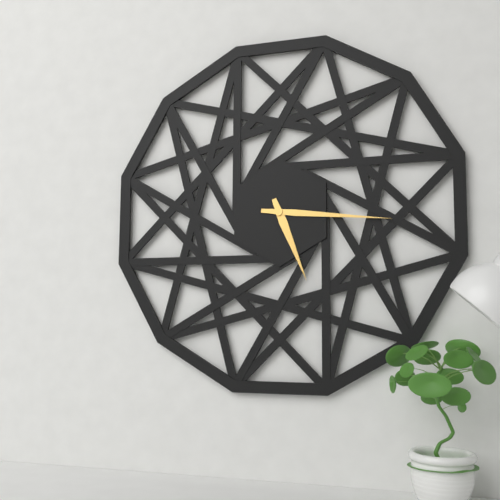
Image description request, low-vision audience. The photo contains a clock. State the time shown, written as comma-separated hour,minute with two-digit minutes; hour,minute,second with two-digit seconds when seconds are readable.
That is 5,16
